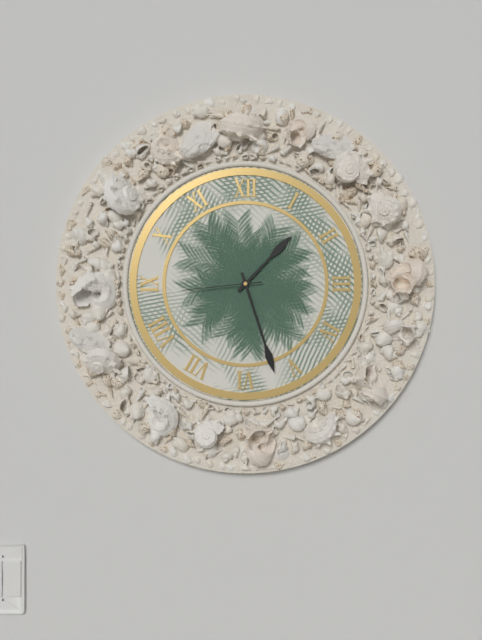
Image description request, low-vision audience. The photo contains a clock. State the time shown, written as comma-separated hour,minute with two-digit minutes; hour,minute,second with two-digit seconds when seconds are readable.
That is 1,27,44
